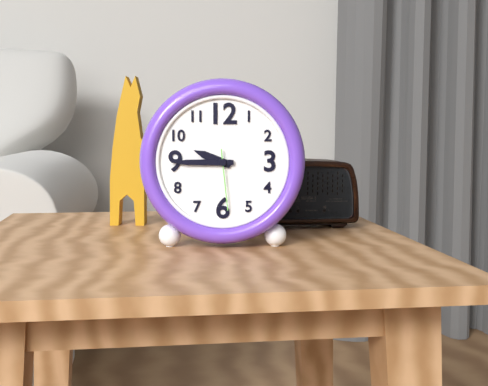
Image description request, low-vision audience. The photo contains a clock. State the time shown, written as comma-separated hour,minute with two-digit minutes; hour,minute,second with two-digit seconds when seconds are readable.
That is 9,45,29
